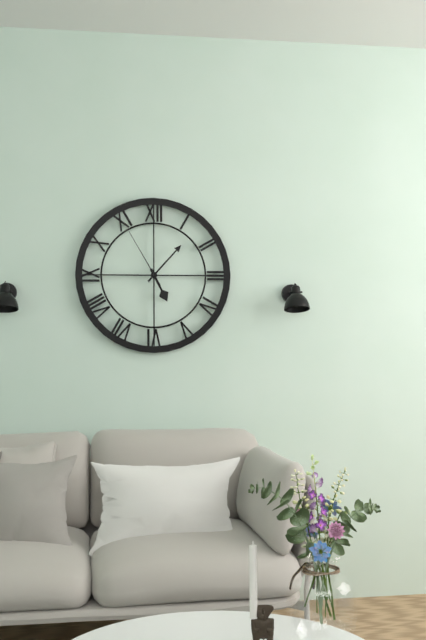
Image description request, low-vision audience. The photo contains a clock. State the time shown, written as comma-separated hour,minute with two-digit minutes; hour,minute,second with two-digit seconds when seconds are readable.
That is 5,07,55
